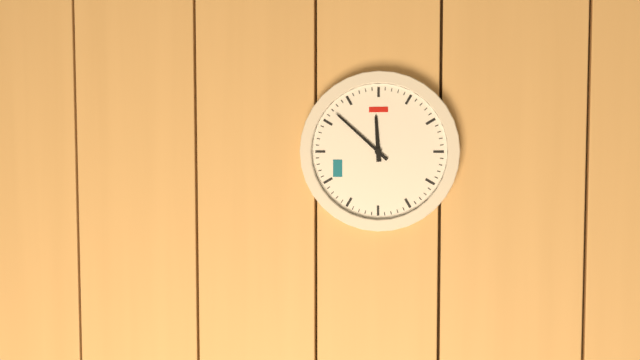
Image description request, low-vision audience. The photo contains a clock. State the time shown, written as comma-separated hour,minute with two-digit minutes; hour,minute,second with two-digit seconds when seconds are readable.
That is 11,52
